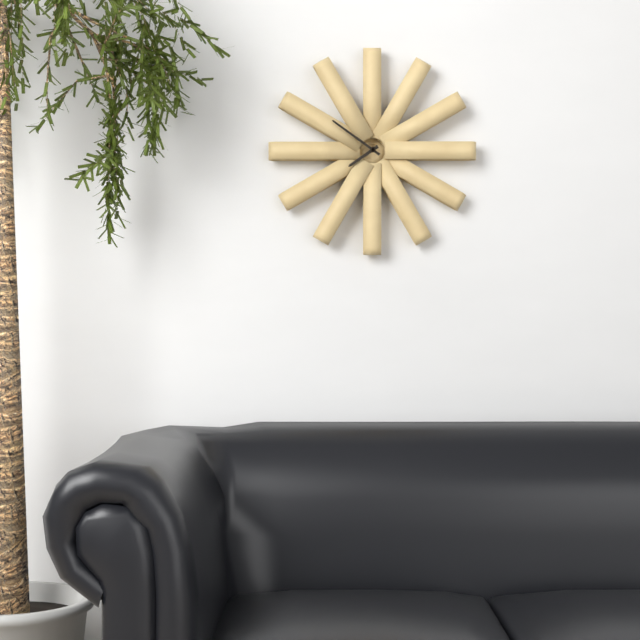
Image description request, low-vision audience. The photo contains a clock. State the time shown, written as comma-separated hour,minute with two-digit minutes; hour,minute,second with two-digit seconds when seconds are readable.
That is 7,51
